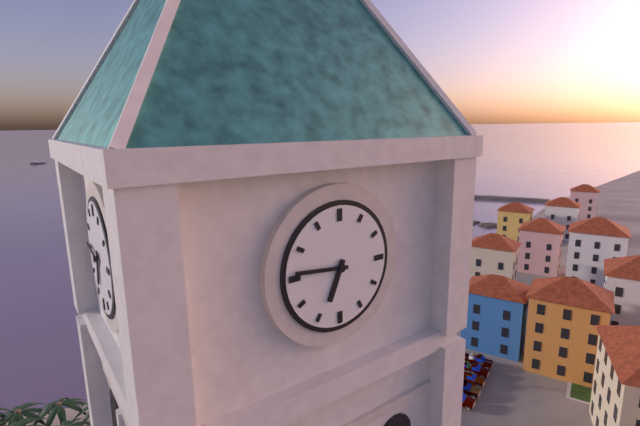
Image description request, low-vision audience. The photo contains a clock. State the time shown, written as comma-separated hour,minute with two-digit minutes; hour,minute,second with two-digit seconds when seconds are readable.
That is 6,46
